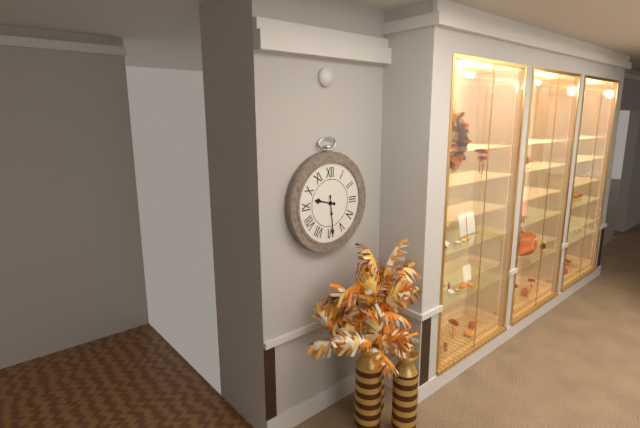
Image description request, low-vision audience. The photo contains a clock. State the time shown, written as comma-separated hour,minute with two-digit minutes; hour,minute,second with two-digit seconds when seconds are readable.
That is 9,29
